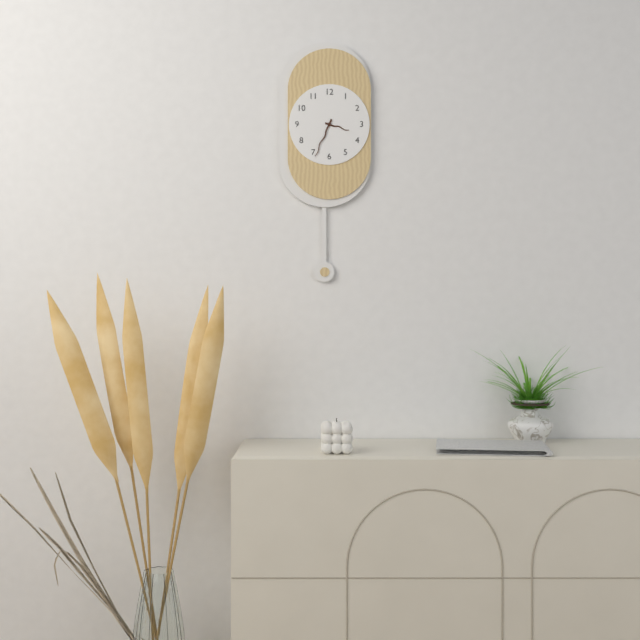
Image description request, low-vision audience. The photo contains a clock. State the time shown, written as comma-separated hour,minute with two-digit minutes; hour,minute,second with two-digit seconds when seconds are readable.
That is 3,34
